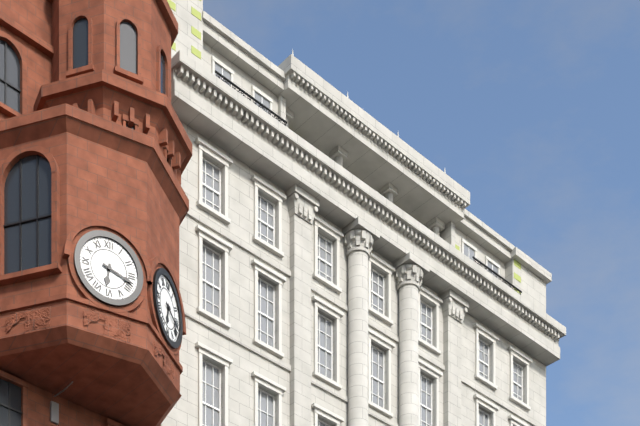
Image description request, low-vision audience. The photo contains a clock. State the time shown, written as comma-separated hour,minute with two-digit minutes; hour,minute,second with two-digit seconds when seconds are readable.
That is 6,18
